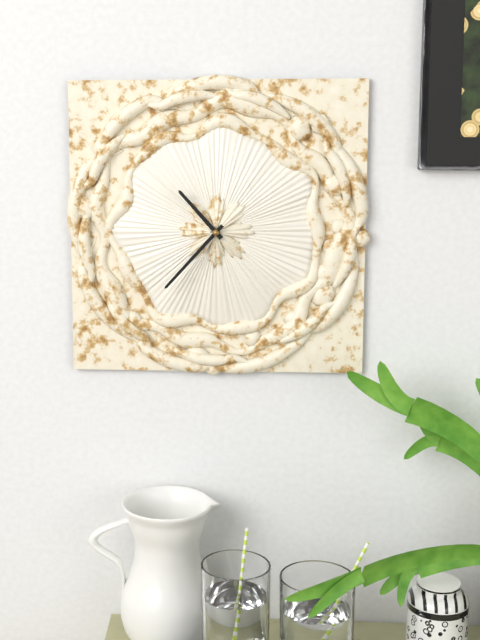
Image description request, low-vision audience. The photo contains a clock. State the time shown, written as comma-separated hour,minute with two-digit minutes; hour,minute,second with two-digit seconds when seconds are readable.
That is 10,37
